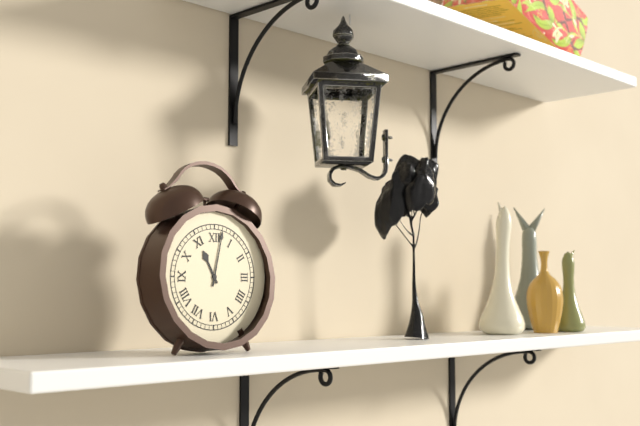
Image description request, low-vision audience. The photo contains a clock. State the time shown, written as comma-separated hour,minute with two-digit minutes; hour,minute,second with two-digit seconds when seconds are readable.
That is 11,02
